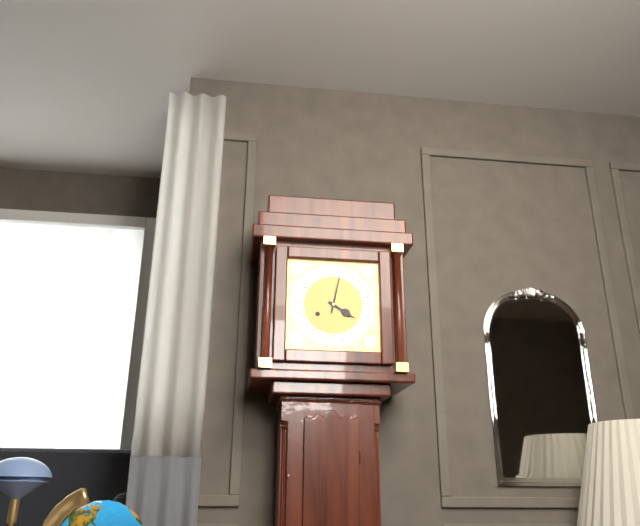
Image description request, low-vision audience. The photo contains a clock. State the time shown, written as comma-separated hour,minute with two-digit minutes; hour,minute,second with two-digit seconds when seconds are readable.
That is 4,02
